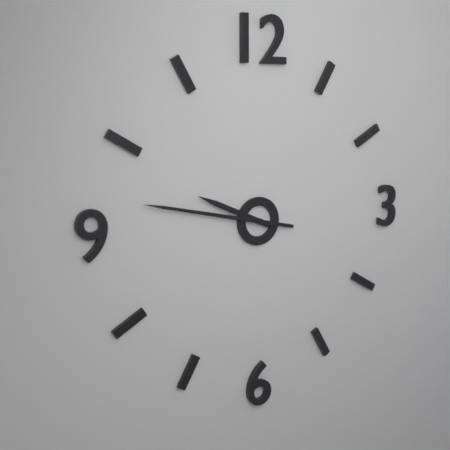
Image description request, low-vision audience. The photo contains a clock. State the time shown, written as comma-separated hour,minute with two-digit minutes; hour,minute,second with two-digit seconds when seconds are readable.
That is 9,47
